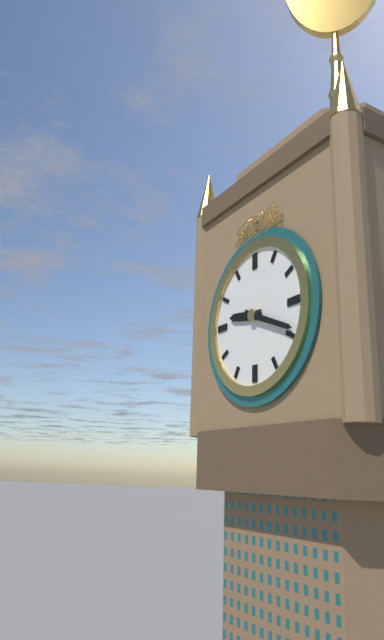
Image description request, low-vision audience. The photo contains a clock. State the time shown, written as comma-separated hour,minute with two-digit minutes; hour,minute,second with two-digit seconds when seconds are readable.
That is 9,19
